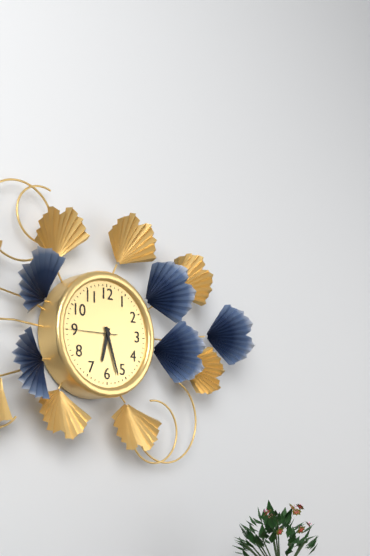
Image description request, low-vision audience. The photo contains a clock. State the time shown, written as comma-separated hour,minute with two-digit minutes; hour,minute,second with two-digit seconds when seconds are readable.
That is 6,27
